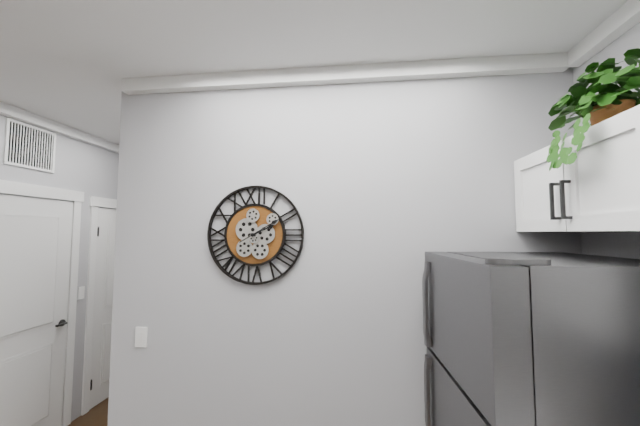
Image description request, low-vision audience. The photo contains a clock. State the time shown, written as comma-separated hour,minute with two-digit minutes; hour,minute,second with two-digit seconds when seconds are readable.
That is 2,10
